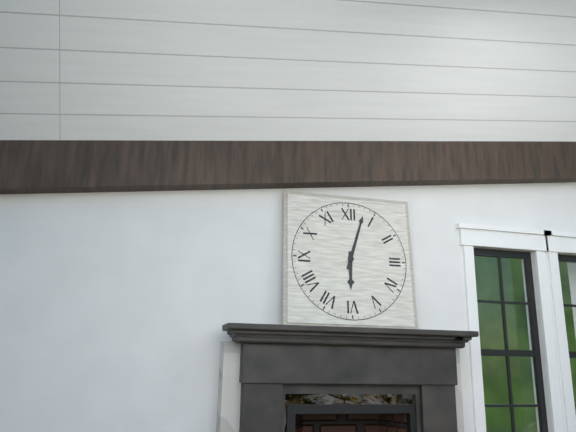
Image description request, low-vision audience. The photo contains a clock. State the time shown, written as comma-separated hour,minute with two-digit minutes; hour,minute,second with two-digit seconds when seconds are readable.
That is 6,03
